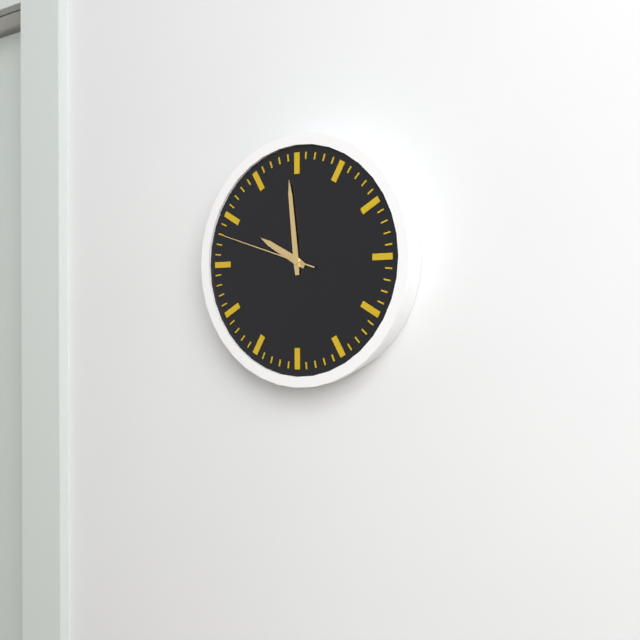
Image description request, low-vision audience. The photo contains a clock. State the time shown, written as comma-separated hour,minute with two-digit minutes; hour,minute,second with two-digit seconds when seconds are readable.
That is 9,59,48
